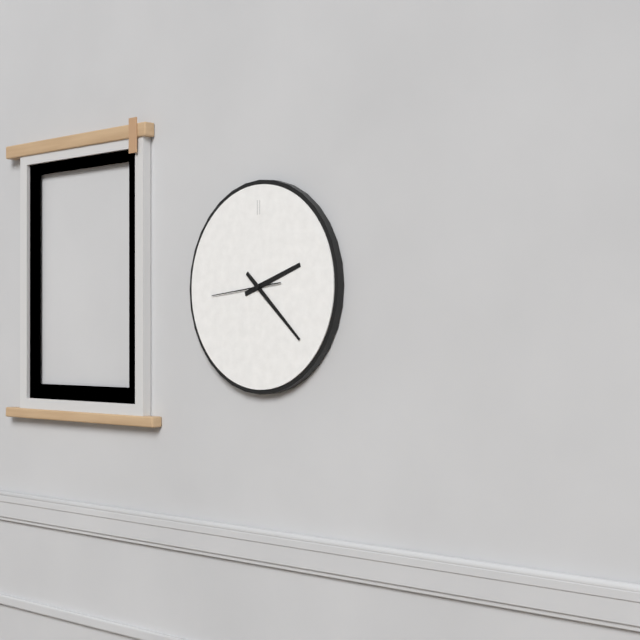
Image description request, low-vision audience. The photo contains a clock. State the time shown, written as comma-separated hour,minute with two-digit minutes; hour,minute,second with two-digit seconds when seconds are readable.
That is 2,22,44
